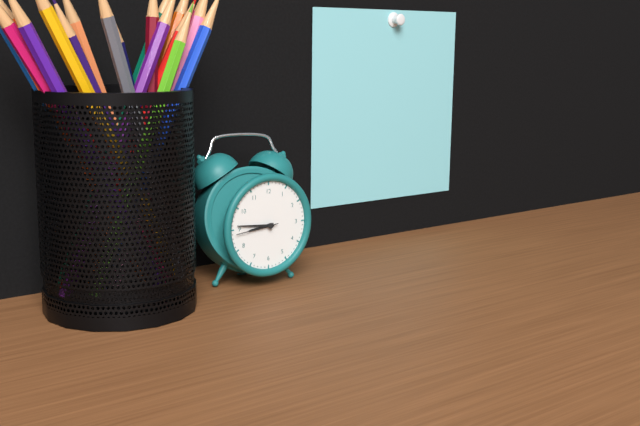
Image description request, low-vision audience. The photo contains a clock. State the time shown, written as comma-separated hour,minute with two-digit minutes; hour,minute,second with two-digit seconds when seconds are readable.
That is 8,46
